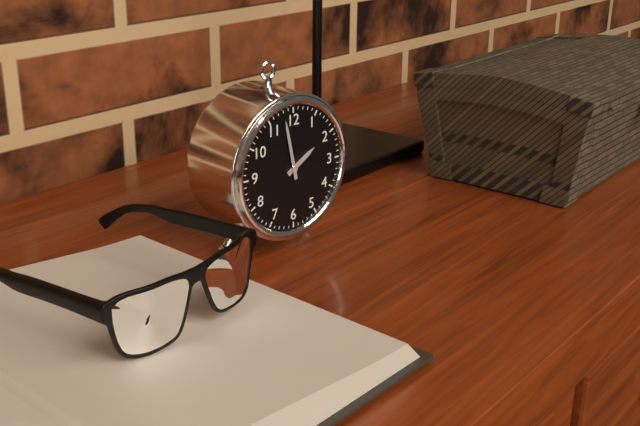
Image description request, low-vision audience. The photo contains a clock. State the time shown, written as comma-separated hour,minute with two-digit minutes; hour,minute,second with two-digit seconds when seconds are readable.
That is 1,58
